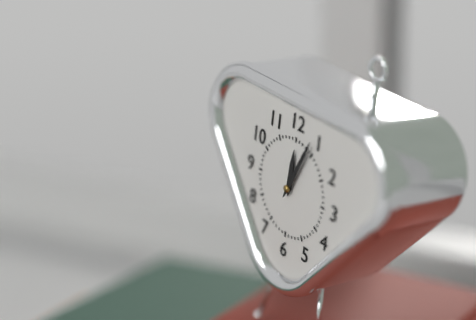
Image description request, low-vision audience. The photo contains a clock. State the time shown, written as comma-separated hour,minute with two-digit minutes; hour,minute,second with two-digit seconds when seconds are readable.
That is 12,04
